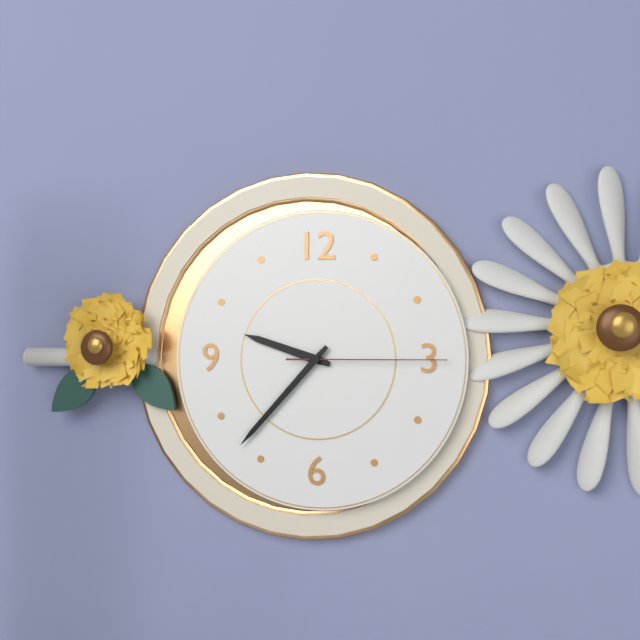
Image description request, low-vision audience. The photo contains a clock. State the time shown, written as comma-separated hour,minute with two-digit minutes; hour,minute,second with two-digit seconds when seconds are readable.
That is 9,37,15
